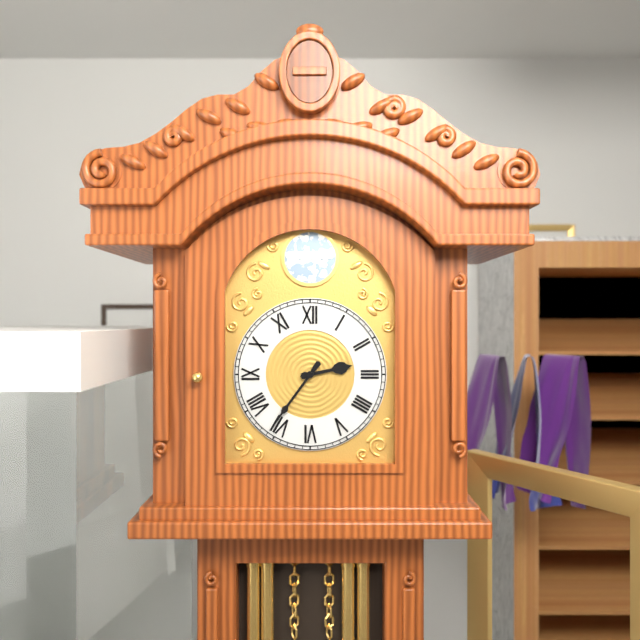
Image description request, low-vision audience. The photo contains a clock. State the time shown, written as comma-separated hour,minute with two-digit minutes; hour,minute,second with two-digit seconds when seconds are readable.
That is 2,36
